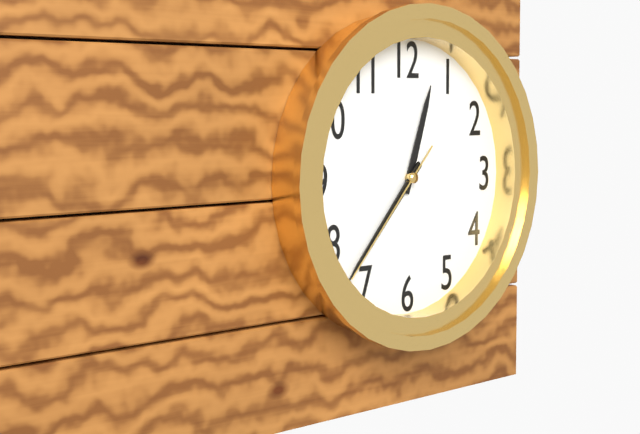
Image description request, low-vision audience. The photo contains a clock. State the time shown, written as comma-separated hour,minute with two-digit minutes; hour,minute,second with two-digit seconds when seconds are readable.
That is 12,37,37
